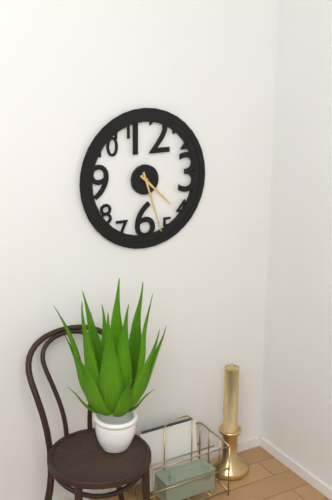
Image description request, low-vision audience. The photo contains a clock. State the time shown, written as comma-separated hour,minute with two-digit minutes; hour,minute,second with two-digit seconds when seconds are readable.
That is 4,27
